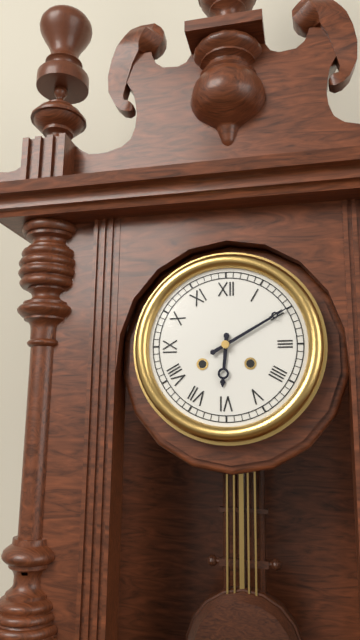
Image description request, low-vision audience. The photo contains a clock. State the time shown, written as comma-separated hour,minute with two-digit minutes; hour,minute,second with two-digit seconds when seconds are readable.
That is 6,10
